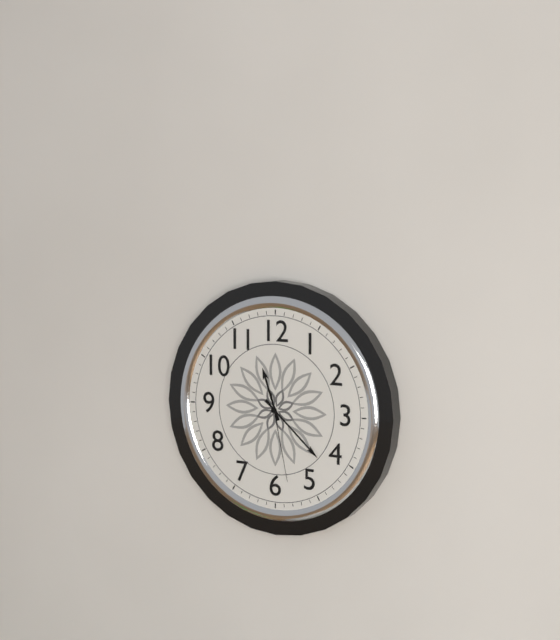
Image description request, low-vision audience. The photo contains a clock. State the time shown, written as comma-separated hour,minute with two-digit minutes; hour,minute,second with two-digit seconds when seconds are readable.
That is 11,22,28
